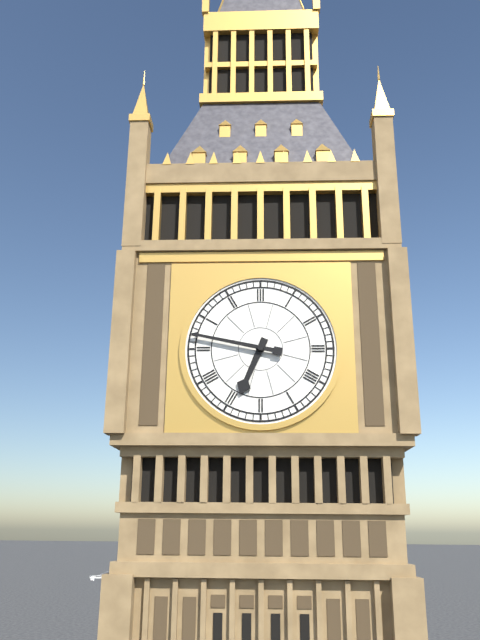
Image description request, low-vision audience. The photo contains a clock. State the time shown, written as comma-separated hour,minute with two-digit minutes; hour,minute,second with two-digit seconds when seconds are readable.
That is 6,47
